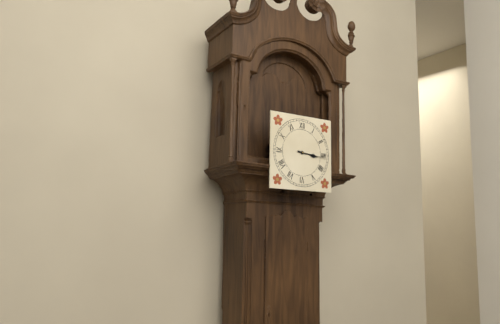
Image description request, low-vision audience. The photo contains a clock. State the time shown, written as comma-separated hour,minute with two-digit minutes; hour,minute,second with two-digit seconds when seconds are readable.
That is 3,16
